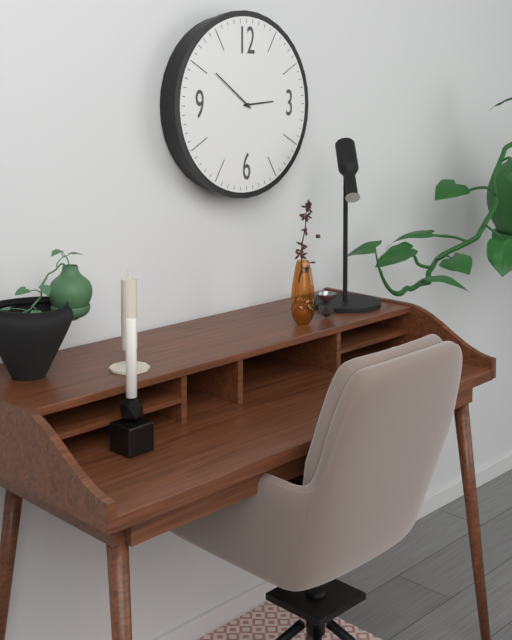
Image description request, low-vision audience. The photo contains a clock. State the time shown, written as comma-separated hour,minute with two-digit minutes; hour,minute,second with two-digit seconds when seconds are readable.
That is 2,51
